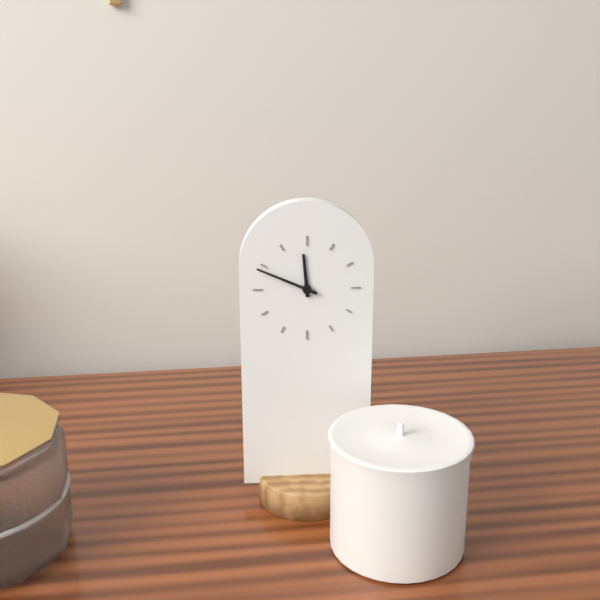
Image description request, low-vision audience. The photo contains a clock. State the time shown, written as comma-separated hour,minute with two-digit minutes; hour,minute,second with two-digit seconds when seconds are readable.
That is 11,49
